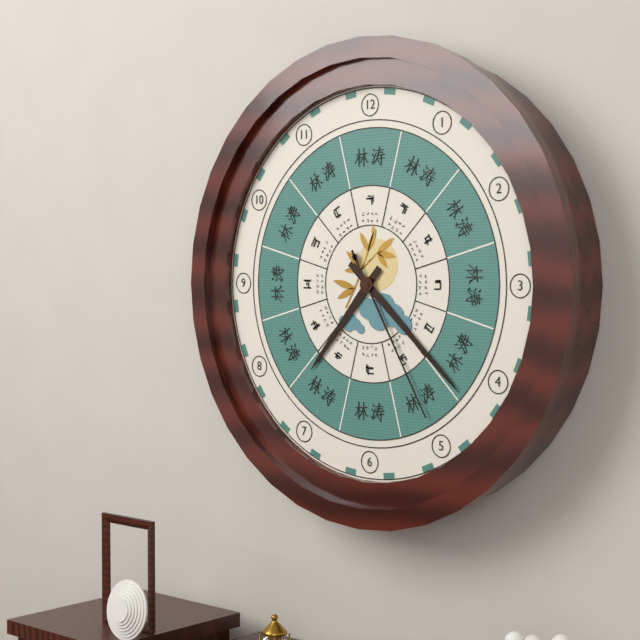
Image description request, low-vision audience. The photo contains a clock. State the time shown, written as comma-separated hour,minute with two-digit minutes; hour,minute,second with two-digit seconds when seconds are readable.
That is 7,22,25
